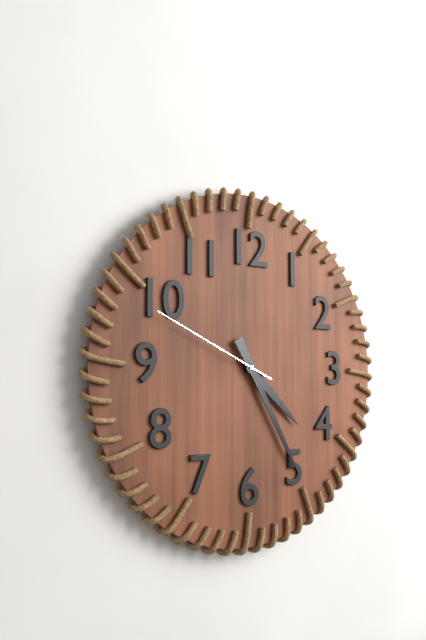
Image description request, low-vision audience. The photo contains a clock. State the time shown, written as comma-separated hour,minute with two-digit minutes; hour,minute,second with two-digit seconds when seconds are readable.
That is 4,25,49
